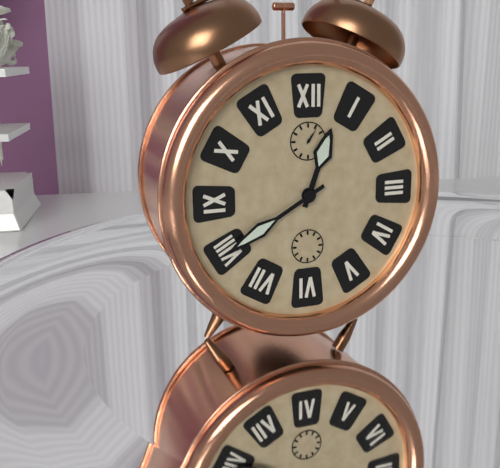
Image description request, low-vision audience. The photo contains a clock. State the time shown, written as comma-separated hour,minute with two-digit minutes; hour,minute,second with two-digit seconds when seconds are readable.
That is 12,40
